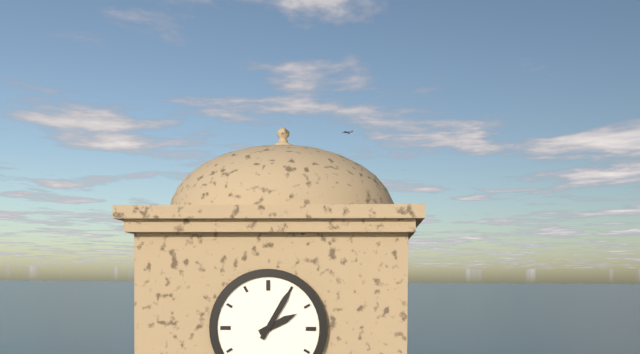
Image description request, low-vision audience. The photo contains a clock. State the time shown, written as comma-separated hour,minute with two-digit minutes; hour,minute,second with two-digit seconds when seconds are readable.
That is 2,05
